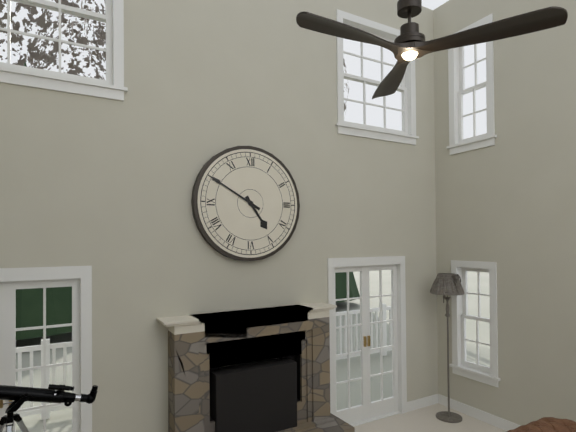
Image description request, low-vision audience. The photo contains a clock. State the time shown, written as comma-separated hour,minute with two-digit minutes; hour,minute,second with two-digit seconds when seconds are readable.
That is 4,50
